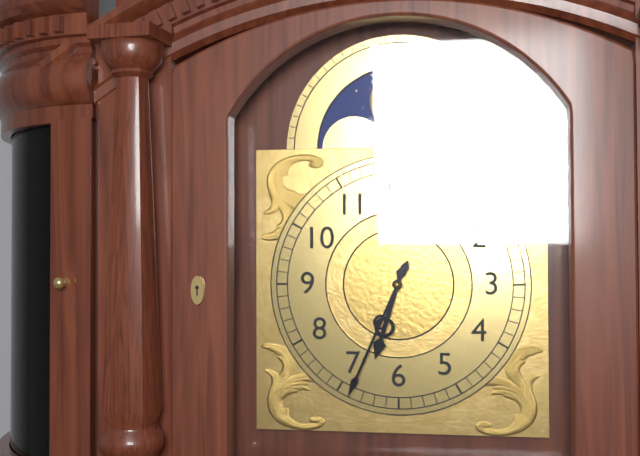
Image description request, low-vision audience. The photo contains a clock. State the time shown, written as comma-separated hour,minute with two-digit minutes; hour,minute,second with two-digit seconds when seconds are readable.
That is 6,34
